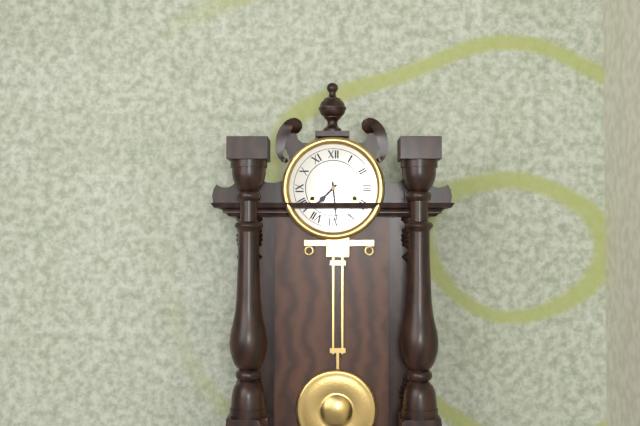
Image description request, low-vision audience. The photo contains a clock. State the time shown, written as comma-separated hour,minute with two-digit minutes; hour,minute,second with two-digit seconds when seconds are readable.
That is 7,29
